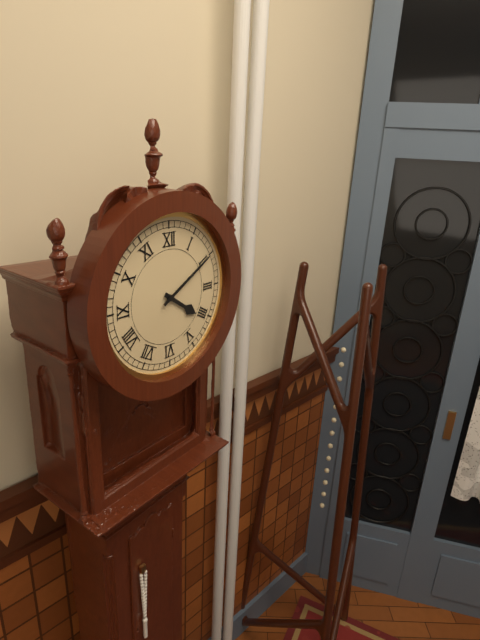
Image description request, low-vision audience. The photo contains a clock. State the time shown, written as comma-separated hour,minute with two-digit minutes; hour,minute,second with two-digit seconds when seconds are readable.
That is 4,10
